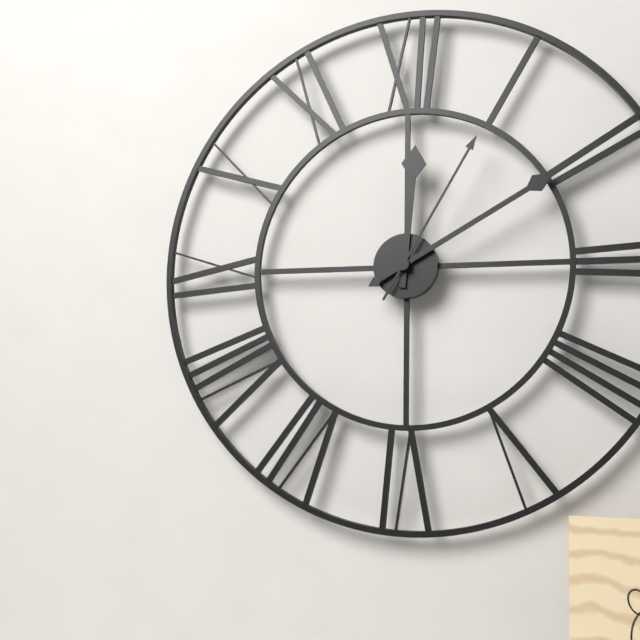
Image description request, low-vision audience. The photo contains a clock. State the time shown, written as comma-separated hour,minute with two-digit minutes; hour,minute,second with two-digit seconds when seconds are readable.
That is 12,10,05
